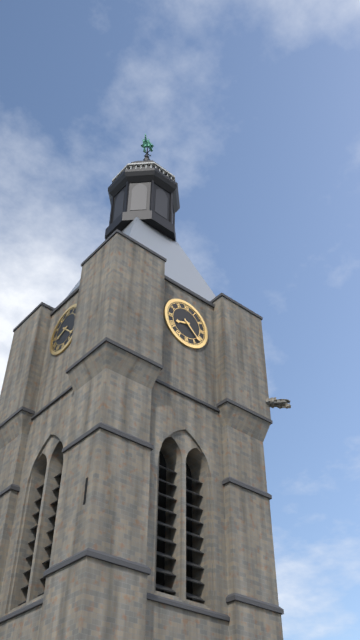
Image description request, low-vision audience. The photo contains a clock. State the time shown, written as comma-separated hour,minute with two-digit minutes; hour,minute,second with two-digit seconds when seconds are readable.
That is 8,22
